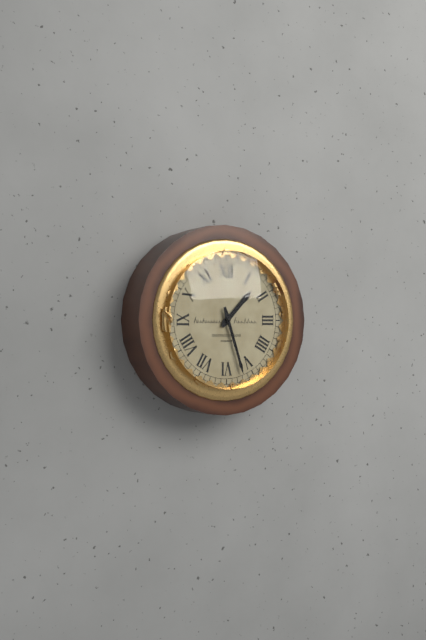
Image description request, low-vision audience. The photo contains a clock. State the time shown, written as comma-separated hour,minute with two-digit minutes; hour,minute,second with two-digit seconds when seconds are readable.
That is 1,27
